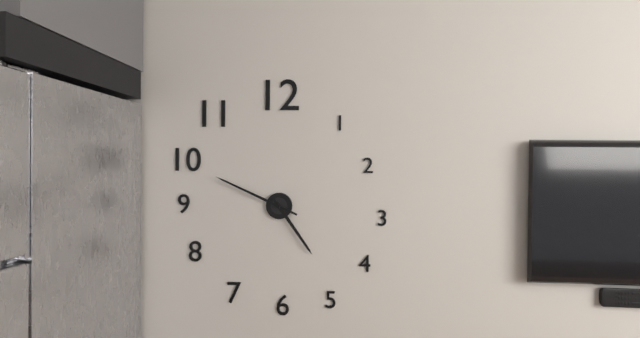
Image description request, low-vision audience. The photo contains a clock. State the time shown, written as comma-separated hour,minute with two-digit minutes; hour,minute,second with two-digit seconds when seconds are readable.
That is 4,49
